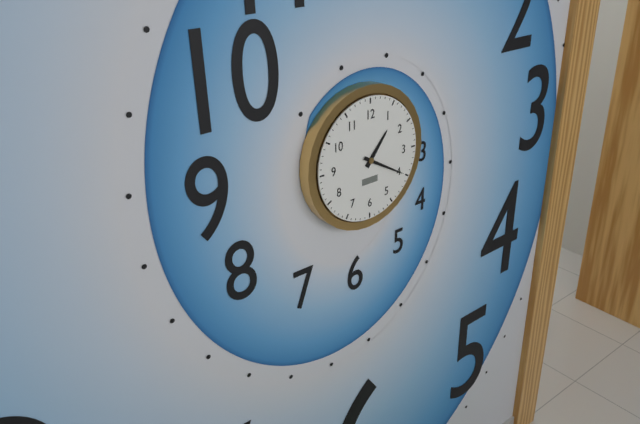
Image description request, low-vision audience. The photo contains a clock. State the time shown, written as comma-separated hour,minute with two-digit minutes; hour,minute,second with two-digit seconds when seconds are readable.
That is 1,20
